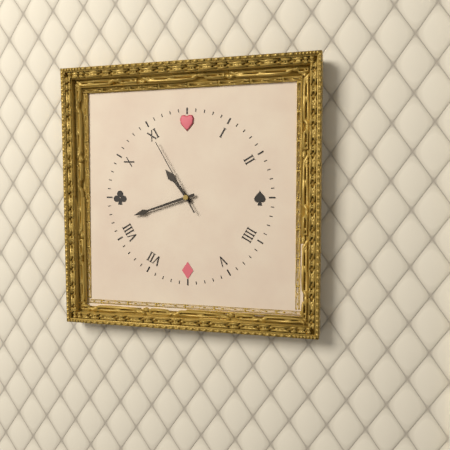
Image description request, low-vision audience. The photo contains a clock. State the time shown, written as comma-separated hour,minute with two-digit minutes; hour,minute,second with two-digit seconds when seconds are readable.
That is 10,42,55
